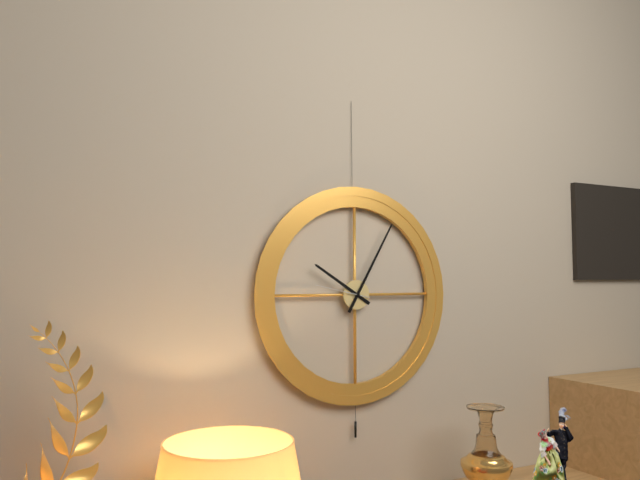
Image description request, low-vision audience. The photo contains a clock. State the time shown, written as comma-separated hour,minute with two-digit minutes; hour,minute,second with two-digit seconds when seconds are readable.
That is 10,05,47
